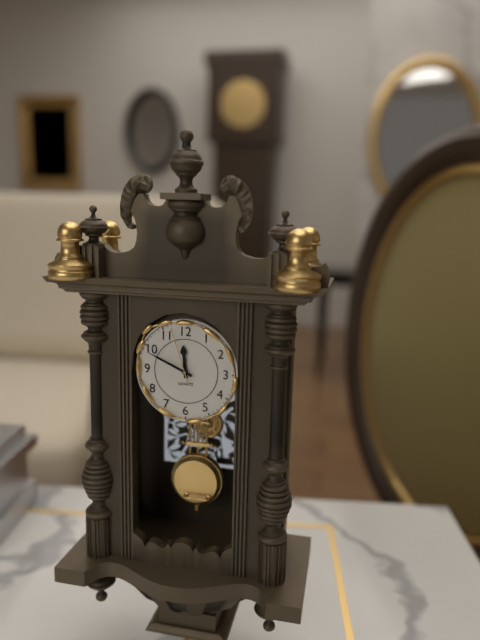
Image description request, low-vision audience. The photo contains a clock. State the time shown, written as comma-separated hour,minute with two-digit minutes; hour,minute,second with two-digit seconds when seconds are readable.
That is 11,49,57
